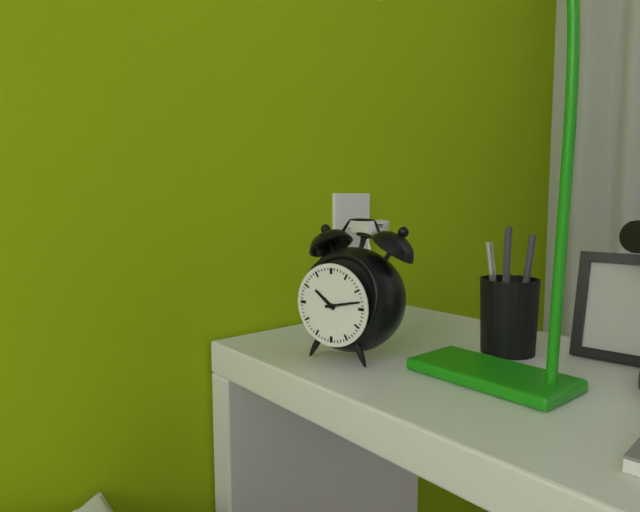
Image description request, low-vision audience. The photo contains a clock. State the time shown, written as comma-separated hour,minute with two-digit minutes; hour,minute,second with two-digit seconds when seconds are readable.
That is 10,13
